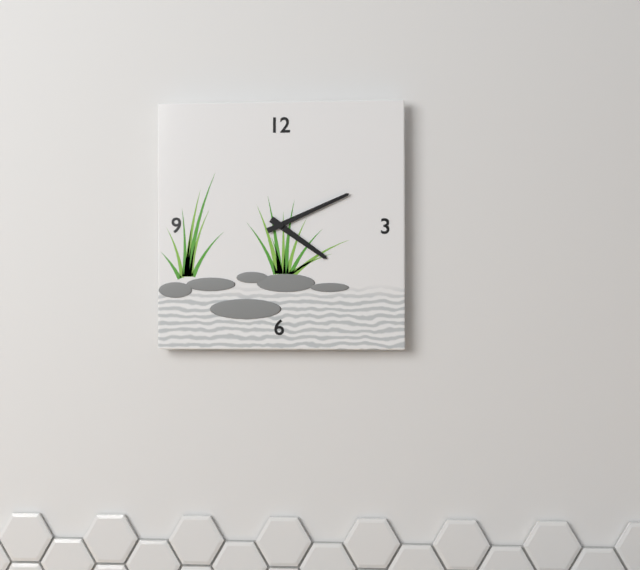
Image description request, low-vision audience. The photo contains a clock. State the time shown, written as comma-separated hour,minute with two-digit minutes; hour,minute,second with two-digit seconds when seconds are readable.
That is 4,11
